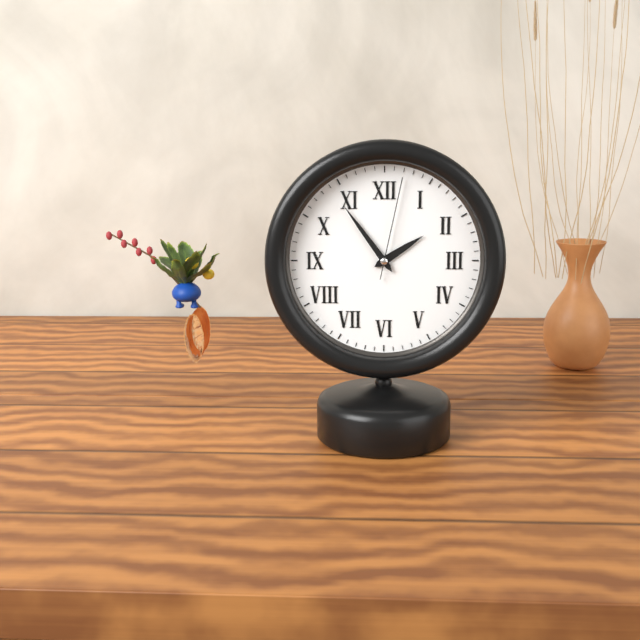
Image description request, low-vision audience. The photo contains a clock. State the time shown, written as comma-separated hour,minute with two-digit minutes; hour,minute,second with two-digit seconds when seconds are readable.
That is 1,54,02
